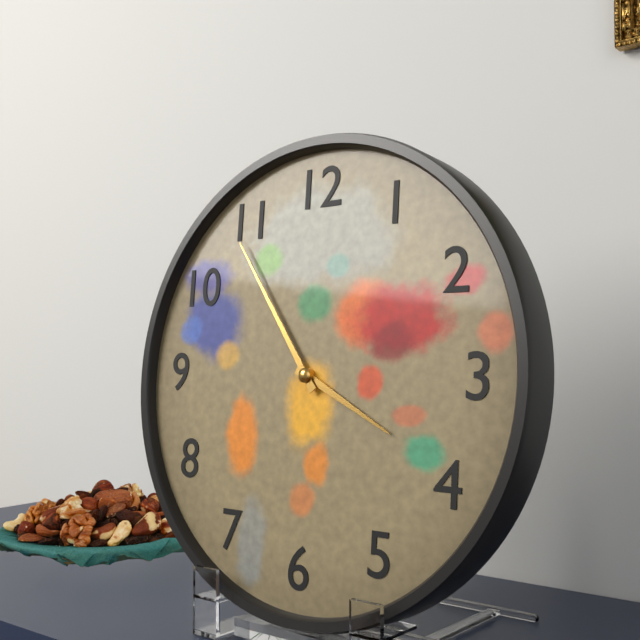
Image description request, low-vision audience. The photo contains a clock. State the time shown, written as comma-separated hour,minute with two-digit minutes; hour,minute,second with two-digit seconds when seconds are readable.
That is 3,54
